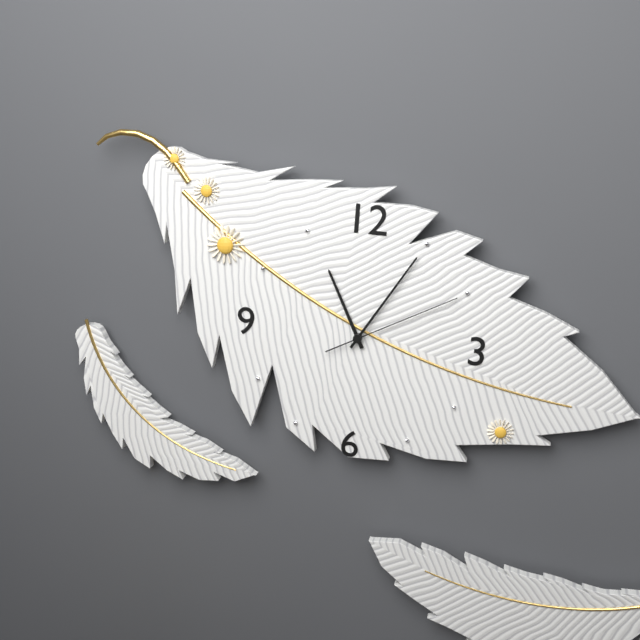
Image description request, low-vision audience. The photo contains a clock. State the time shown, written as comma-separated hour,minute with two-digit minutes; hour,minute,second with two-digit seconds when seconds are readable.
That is 11,05,10
